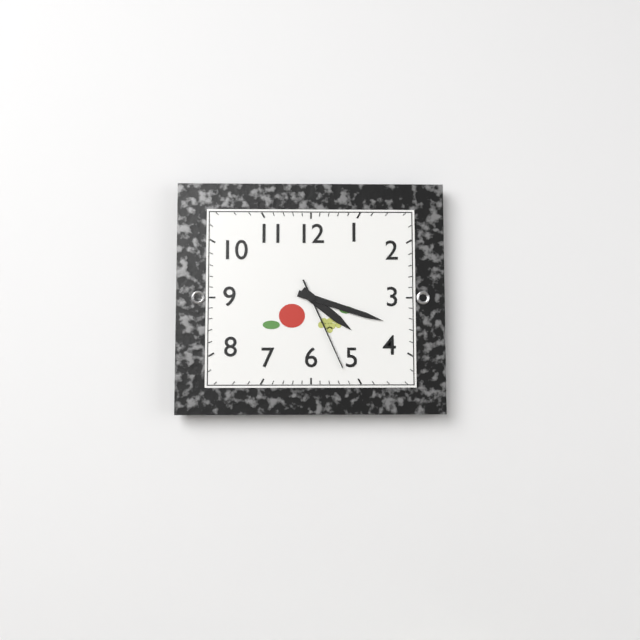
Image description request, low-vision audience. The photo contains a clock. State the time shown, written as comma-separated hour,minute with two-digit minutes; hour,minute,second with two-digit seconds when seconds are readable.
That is 4,18,26
